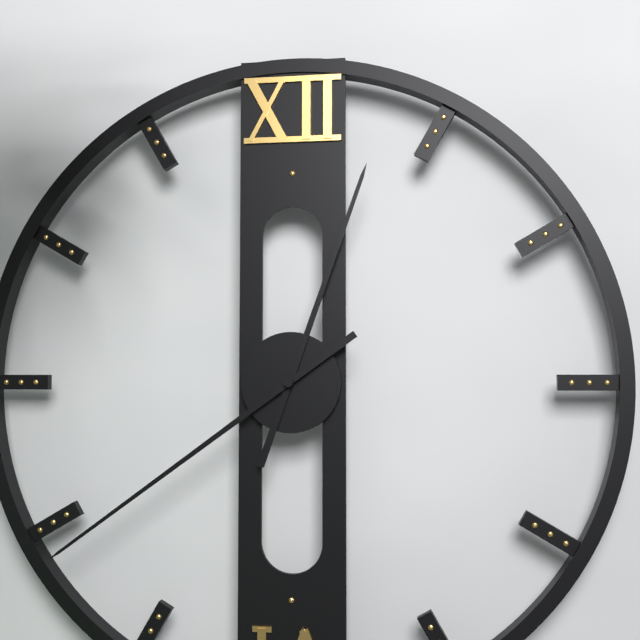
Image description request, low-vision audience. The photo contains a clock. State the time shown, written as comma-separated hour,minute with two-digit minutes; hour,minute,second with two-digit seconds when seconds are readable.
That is 12,39
